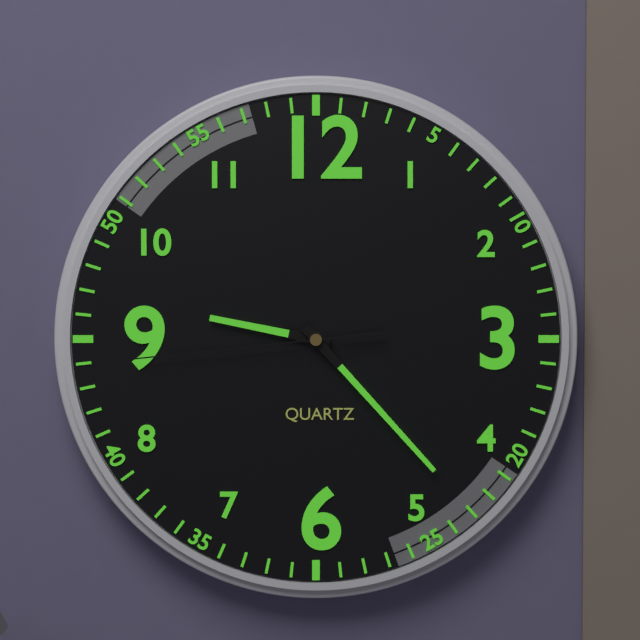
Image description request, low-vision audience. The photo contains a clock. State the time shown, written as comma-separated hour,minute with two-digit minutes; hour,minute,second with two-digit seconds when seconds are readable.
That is 9,23,44
